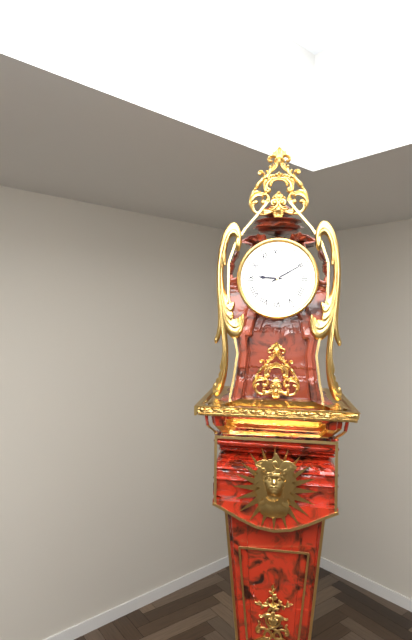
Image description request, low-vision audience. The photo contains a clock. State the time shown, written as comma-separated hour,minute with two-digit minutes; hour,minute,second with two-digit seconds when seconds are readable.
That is 9,10
